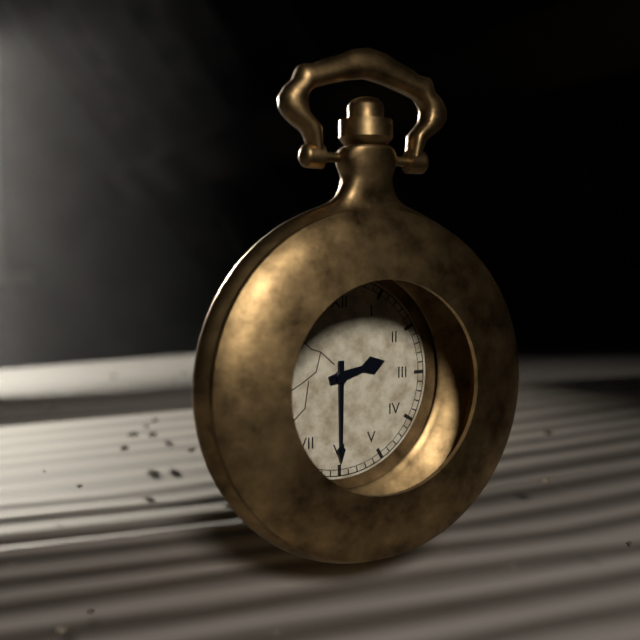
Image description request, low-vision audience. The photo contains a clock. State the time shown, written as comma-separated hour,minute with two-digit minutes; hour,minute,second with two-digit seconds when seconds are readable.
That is 2,30
